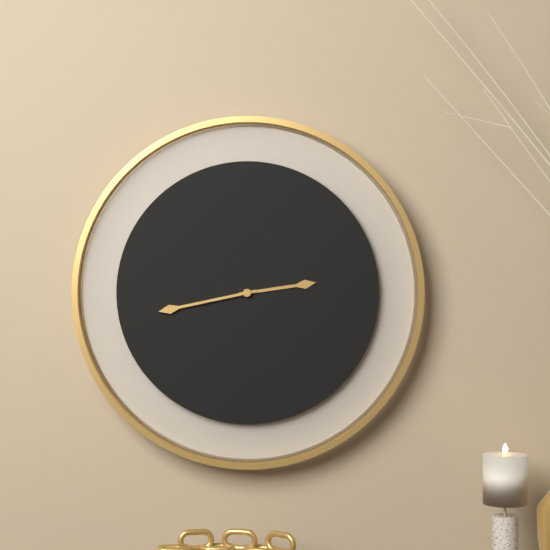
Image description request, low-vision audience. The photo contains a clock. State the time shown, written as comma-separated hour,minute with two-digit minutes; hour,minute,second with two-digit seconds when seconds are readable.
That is 2,43
